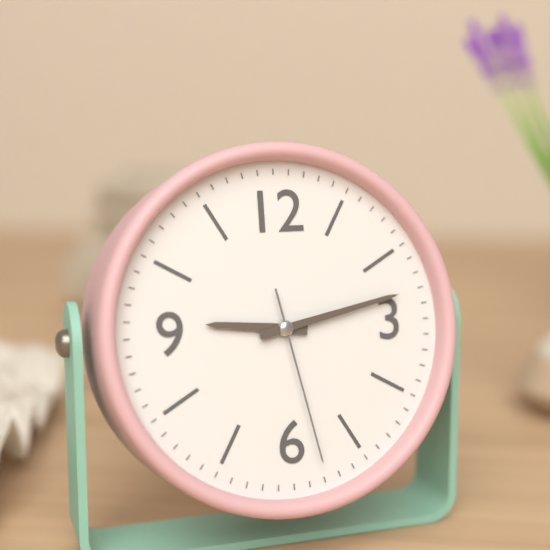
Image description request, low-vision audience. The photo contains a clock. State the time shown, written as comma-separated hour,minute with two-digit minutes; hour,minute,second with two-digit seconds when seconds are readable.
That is 9,13,28
